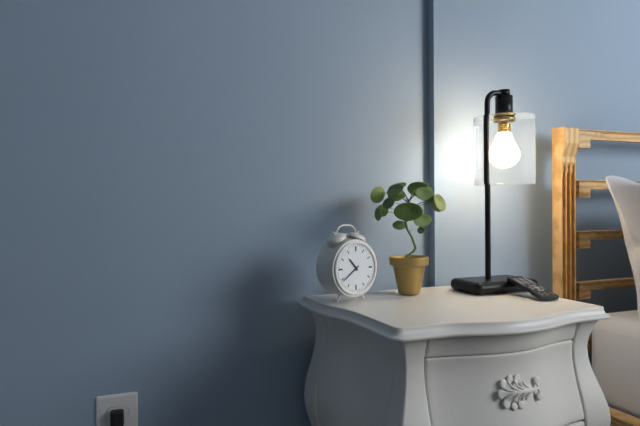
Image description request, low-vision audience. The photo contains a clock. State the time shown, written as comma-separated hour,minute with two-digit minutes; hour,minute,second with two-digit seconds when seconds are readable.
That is 10,39
